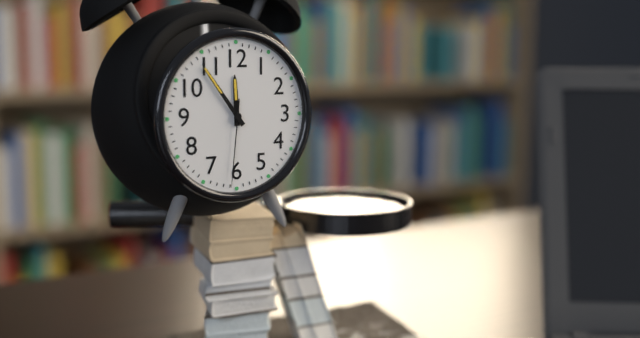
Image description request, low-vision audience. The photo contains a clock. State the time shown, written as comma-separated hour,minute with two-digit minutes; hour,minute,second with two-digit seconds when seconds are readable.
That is 11,54,31
